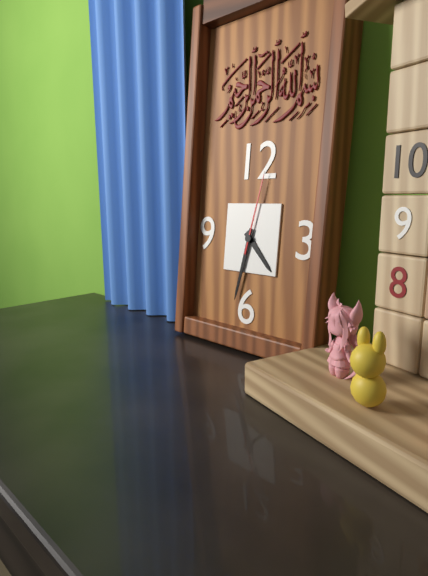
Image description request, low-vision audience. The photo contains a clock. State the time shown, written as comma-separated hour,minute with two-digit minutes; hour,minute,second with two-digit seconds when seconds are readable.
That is 4,32,02
